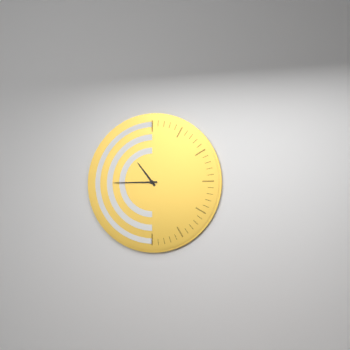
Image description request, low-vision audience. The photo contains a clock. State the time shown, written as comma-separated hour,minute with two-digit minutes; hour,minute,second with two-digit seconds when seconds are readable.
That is 10,45
